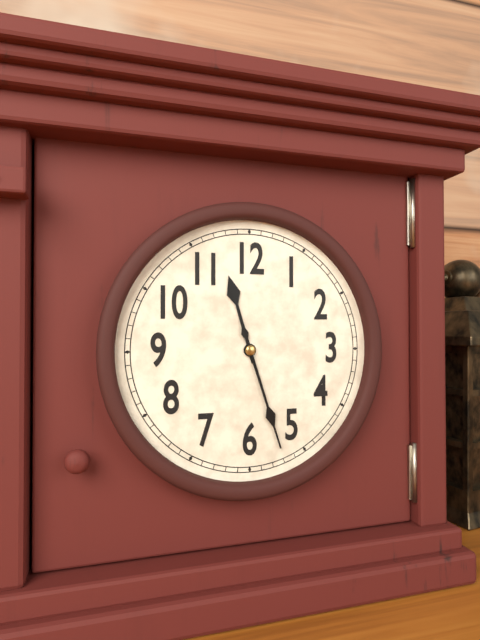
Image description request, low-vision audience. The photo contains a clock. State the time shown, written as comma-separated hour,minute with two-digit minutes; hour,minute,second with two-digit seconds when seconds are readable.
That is 11,27
